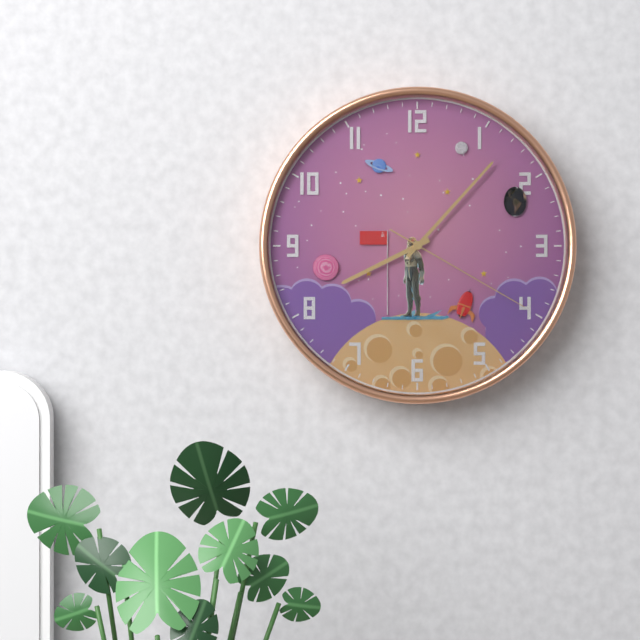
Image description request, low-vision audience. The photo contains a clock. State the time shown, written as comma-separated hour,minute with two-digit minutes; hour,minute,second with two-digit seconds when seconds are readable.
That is 8,07,20
